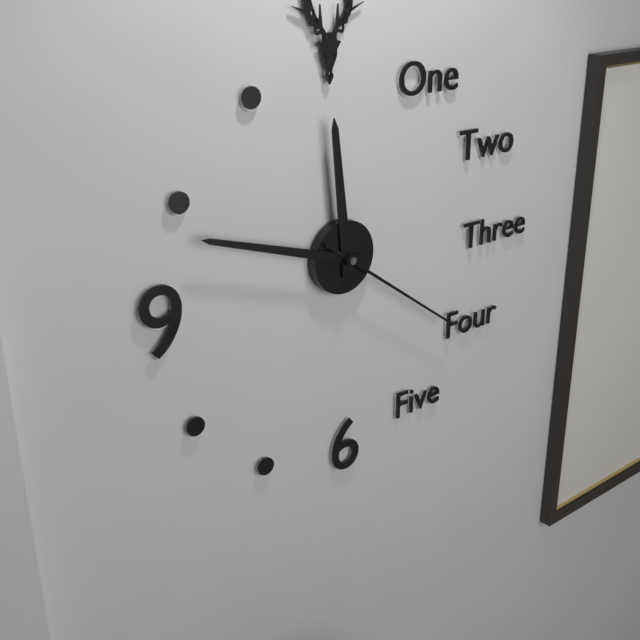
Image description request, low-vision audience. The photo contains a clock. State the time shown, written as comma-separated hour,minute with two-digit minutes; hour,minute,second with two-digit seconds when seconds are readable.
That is 11,48,21
